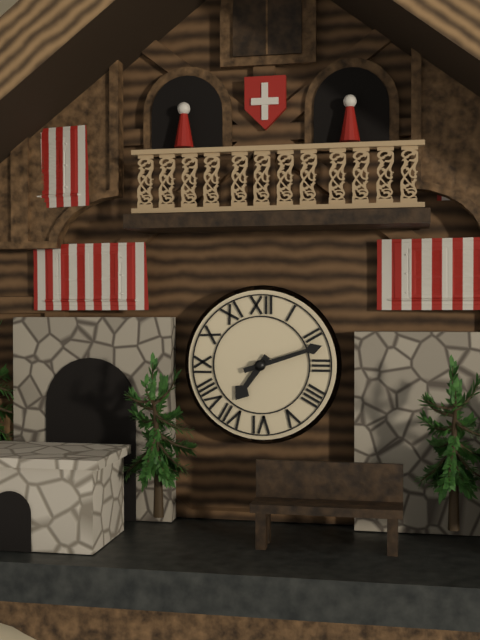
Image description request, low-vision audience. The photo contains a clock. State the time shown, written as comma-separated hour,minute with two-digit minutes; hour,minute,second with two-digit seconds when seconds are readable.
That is 7,12
